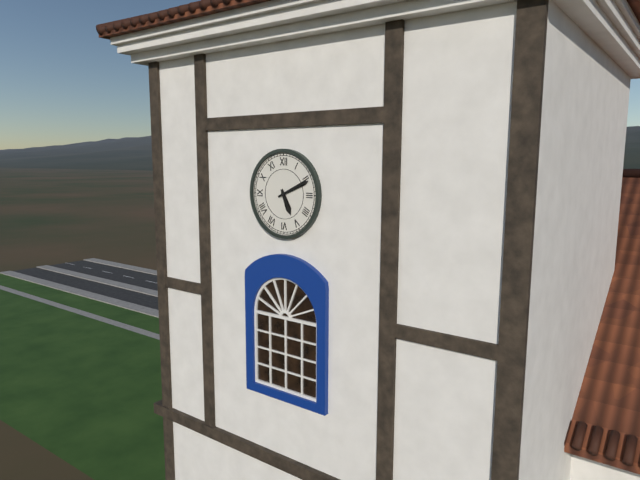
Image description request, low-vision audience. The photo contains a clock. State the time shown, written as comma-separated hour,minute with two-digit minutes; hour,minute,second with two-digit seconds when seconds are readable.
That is 5,11
